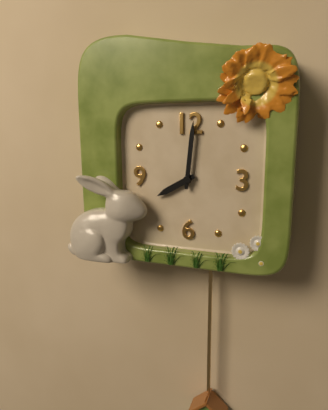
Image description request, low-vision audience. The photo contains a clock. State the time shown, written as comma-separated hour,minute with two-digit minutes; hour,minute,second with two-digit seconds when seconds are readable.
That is 8,01
